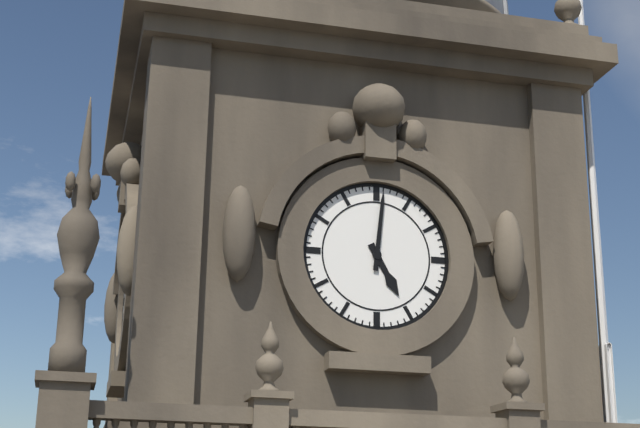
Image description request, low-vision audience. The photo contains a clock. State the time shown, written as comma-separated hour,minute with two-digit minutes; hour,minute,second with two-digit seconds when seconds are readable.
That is 5,01
